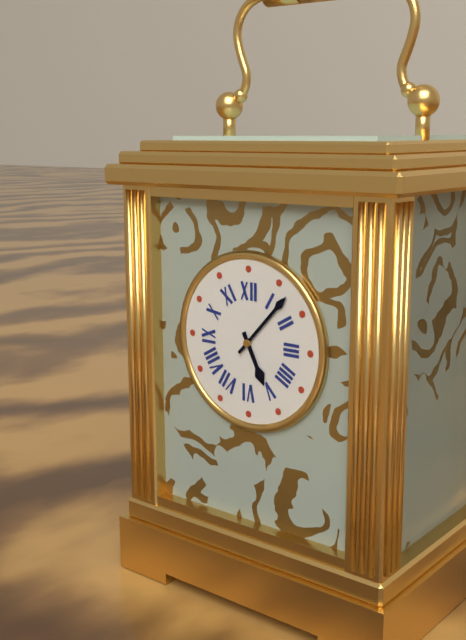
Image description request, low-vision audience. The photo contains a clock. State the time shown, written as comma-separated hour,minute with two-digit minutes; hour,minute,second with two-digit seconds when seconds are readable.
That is 5,07
